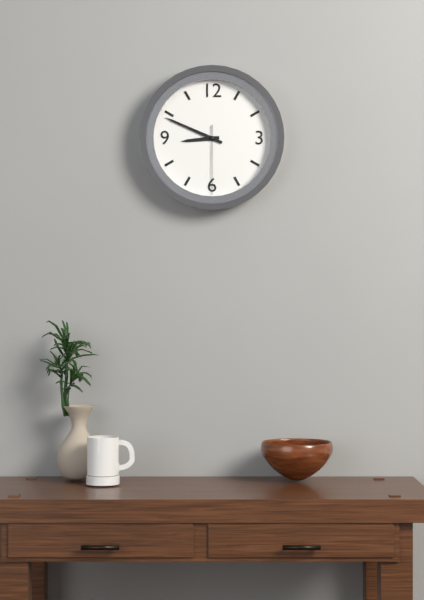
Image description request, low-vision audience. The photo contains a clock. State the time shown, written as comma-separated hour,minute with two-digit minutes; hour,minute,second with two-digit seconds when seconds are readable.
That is 8,49,30
